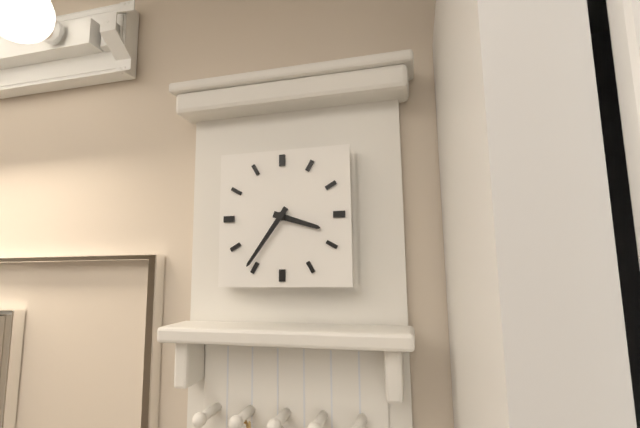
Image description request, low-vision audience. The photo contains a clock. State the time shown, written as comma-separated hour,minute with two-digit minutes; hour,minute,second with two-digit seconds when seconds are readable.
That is 3,36
